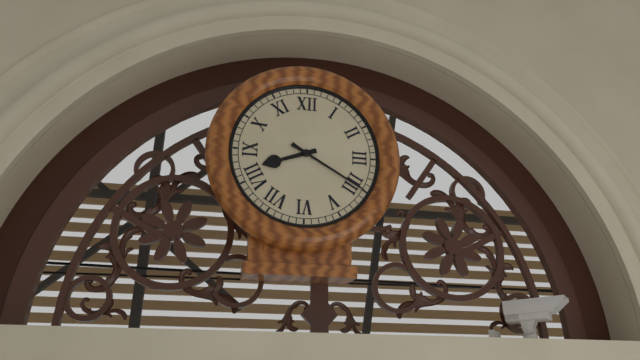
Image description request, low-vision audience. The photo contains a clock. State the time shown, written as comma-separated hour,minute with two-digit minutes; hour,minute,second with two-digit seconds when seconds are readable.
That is 8,20
